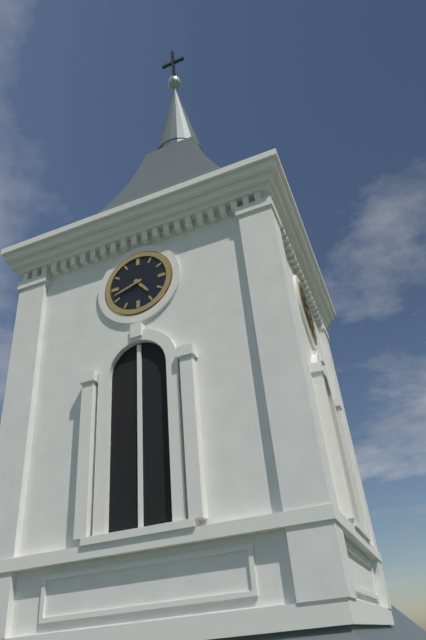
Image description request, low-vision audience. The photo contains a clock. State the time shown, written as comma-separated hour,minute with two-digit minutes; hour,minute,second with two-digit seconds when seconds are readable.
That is 4,42
